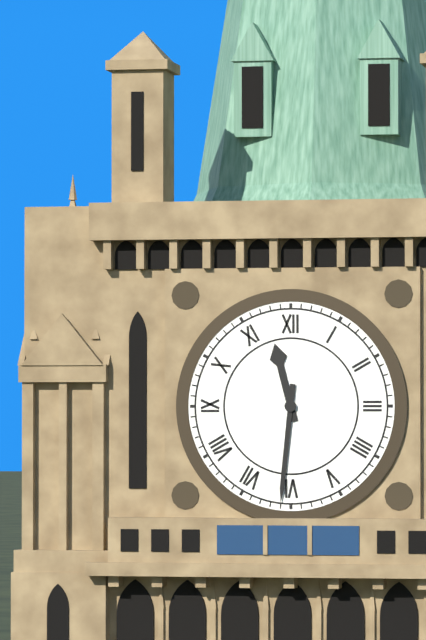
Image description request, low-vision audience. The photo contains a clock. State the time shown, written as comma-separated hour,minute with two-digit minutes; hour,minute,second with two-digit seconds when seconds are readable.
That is 11,31
